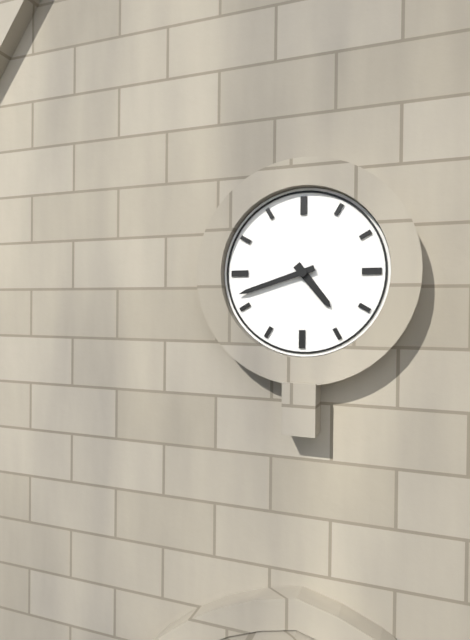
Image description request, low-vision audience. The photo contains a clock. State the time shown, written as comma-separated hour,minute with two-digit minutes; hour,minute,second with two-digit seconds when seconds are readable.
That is 4,42
